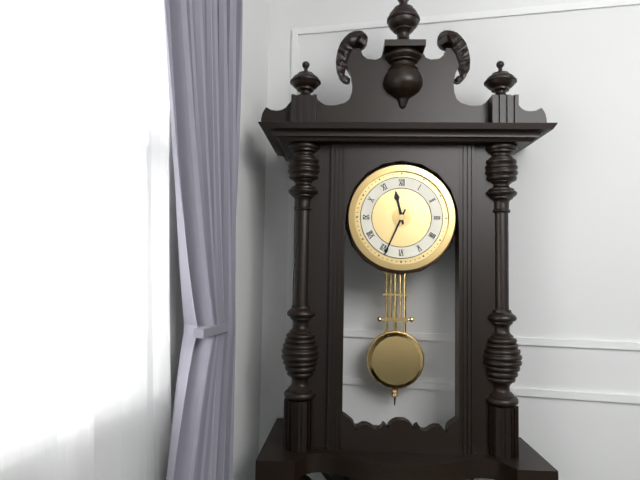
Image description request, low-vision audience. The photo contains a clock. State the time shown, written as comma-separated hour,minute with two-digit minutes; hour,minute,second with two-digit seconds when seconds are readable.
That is 11,34
